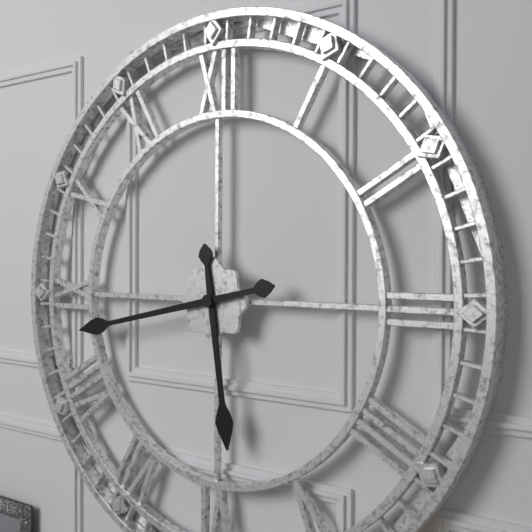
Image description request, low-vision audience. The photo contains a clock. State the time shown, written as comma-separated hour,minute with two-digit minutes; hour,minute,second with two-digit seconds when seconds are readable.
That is 5,43
